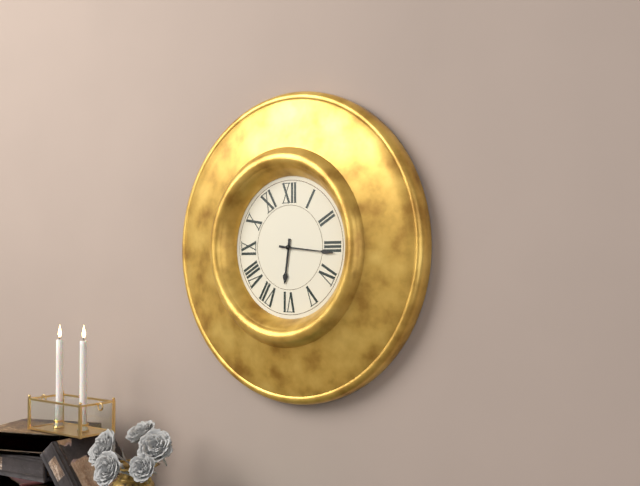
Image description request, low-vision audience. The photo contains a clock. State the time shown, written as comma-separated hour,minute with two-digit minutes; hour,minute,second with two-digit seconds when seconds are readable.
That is 6,16
